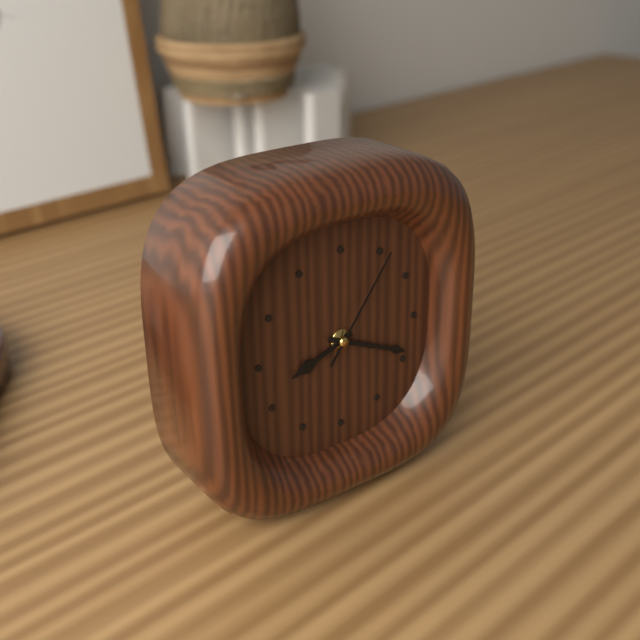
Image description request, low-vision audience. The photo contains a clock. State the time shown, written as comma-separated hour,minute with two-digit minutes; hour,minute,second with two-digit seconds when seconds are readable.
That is 8,19,06
